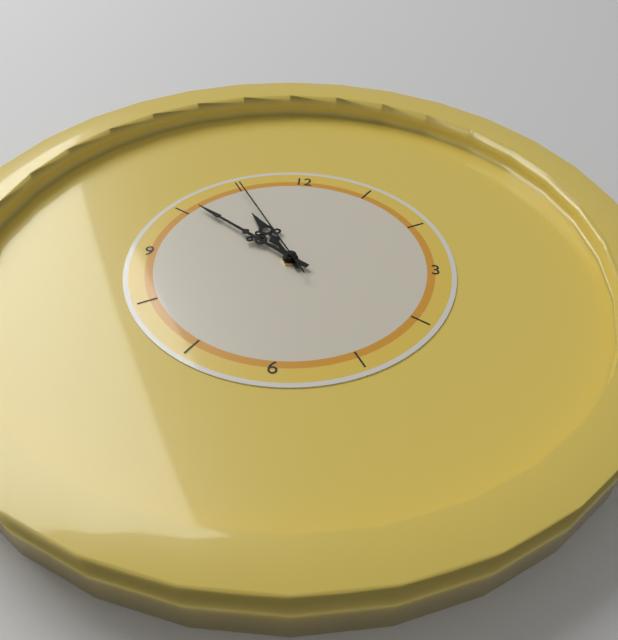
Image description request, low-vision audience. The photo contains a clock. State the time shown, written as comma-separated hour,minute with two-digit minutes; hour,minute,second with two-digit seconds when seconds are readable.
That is 10,51,55
